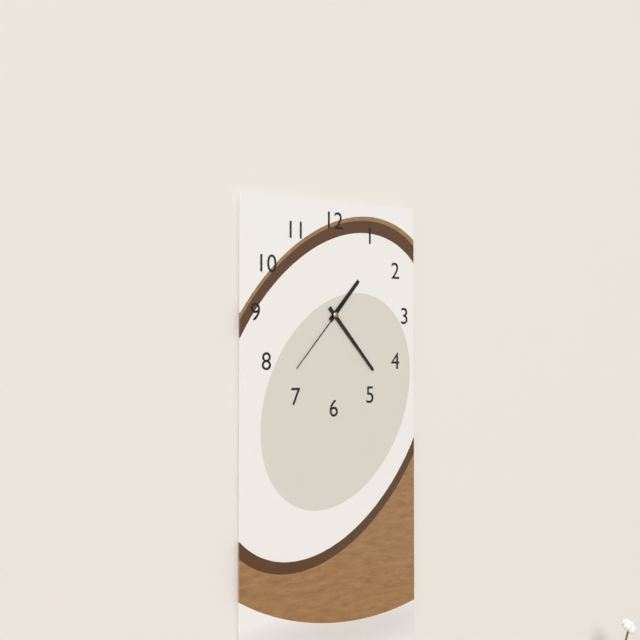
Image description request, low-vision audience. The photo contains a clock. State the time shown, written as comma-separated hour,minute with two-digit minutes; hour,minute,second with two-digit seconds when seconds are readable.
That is 1,23,37
